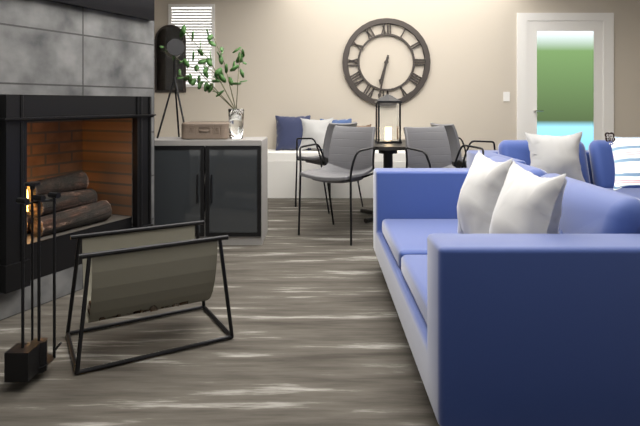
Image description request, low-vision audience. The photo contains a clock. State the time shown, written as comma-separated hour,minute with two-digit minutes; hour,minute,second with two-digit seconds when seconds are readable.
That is 6,32
